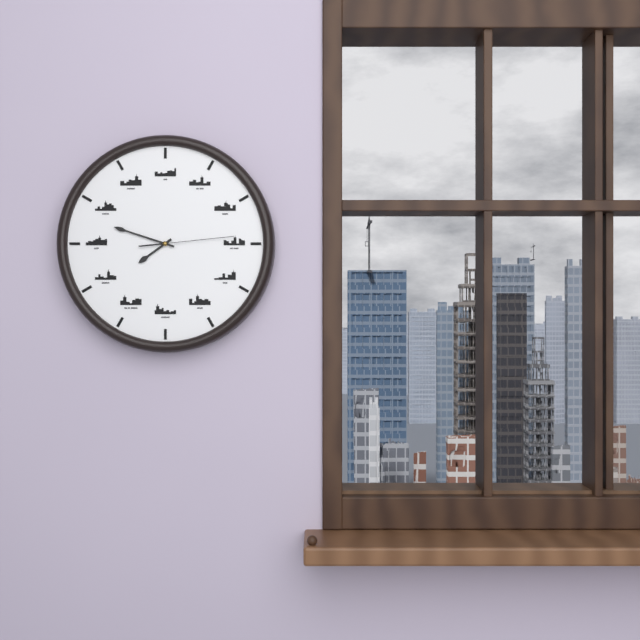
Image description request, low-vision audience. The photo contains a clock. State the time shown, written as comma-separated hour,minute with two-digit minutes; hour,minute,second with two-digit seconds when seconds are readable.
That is 7,48,14
